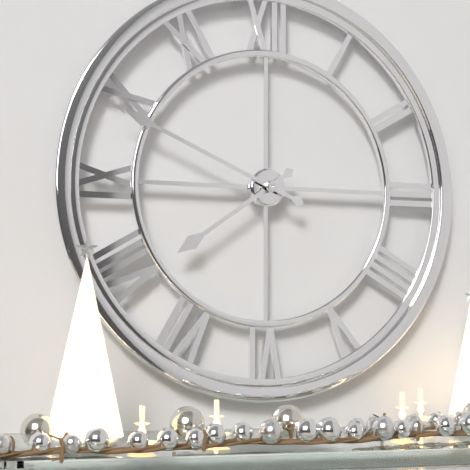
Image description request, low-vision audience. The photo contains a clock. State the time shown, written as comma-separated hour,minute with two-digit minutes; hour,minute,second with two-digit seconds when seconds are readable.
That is 7,49
